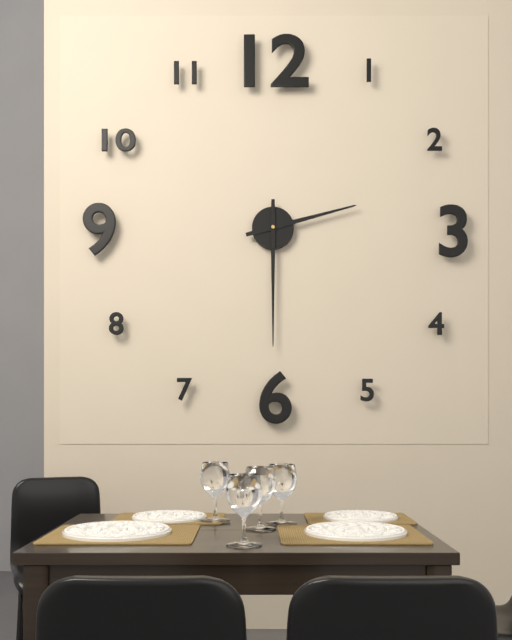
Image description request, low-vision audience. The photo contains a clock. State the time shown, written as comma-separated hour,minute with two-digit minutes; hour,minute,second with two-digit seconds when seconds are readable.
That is 2,30
